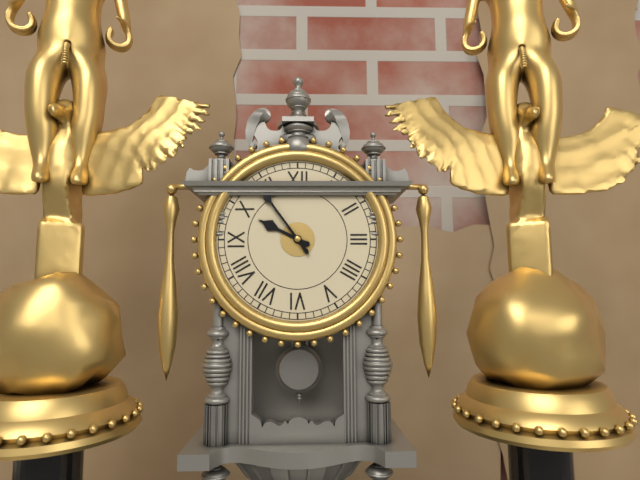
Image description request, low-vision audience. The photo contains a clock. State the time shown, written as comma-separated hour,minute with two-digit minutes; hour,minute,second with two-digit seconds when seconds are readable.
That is 9,54
